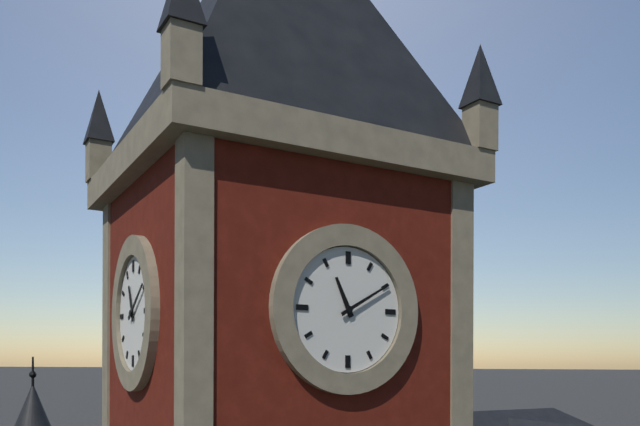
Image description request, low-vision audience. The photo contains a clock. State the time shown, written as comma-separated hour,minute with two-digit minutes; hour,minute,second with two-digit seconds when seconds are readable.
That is 11,10
